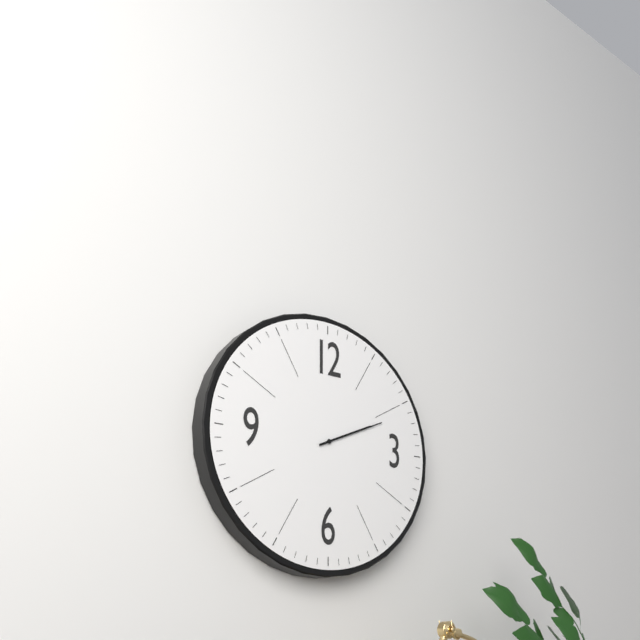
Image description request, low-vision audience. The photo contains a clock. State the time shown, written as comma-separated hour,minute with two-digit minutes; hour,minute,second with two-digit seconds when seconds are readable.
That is 2,11
